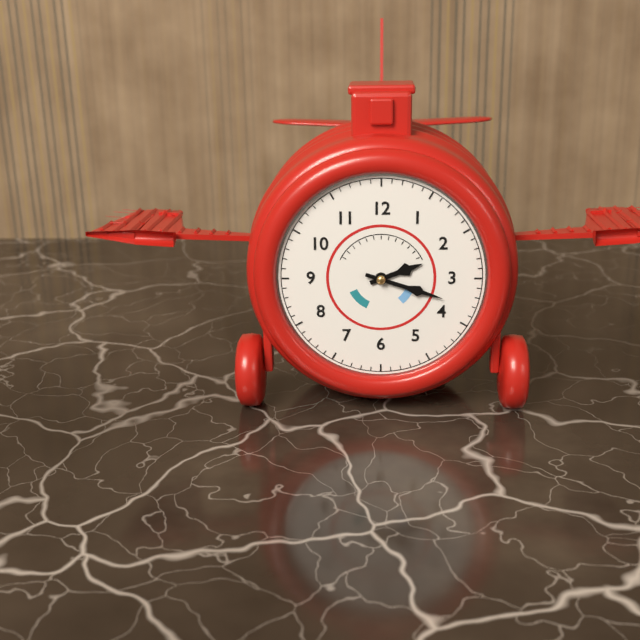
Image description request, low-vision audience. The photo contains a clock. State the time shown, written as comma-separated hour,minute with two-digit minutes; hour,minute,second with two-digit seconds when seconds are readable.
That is 2,18
